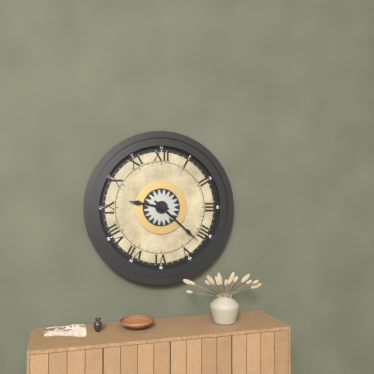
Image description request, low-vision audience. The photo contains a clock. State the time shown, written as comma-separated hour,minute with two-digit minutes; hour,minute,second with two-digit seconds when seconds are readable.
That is 9,22
